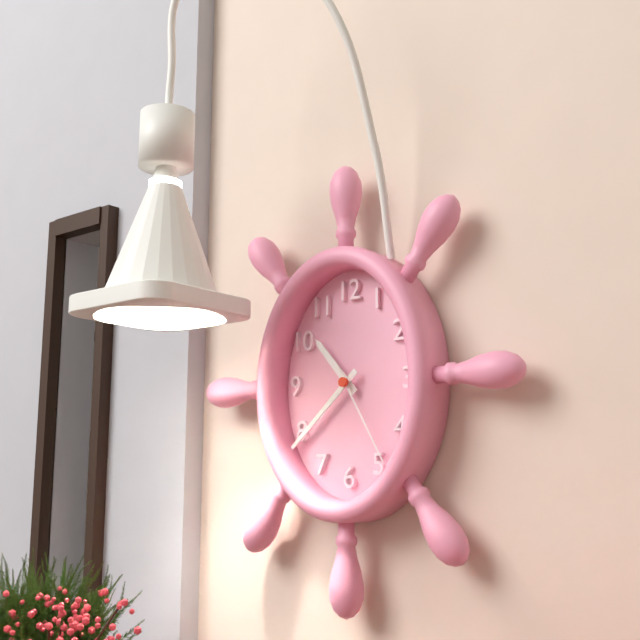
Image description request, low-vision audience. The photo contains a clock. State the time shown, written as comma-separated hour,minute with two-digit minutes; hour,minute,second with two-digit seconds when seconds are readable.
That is 10,38,25
